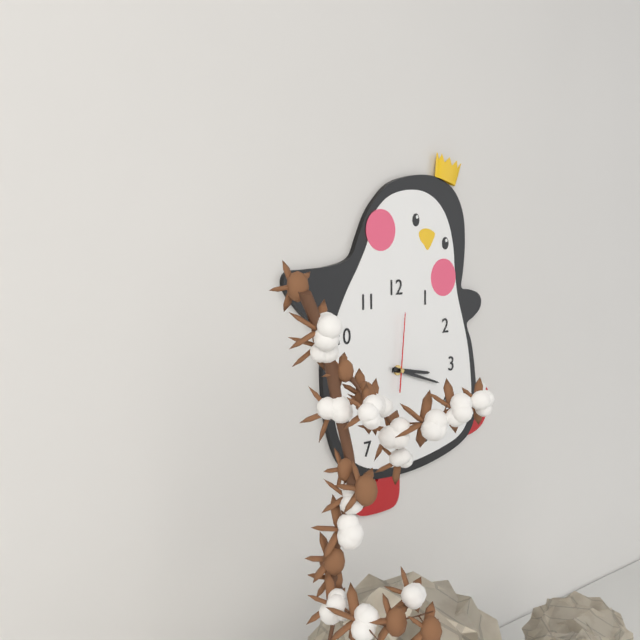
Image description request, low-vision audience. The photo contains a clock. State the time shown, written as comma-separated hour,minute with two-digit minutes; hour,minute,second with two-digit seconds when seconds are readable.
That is 3,18,01
